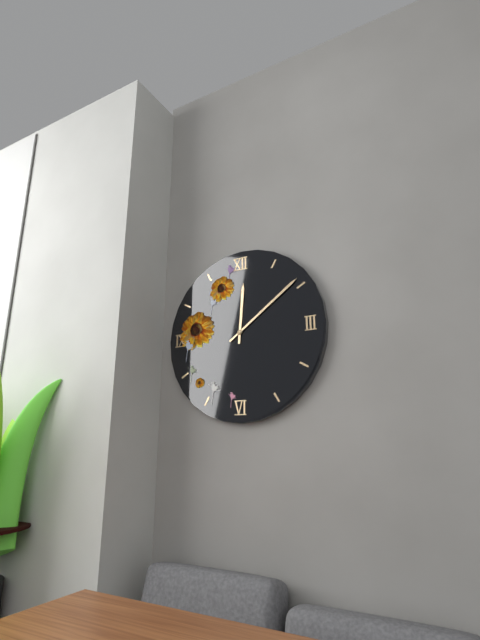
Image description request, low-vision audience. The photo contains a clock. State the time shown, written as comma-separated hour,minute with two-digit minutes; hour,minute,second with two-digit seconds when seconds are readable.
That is 12,09
